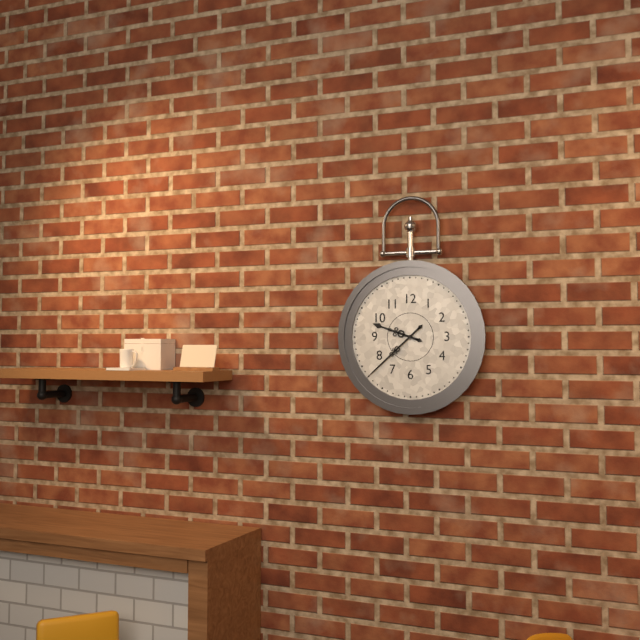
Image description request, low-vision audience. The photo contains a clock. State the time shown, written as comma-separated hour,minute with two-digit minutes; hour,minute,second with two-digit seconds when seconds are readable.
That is 9,38
